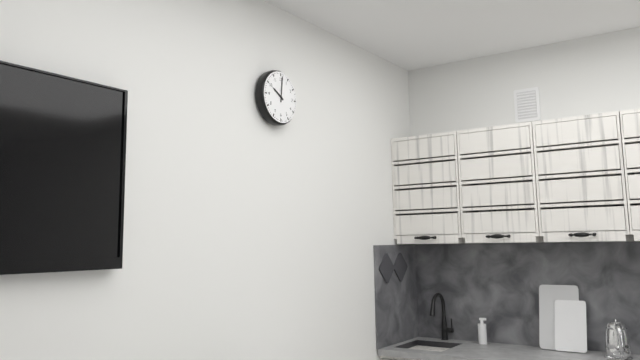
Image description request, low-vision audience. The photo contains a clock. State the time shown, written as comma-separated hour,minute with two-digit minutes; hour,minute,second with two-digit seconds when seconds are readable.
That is 10,01
